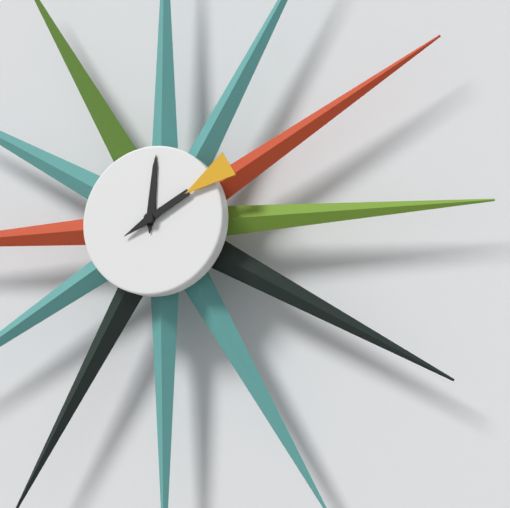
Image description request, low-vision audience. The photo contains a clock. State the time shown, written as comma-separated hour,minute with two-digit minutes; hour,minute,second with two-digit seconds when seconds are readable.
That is 12,10
